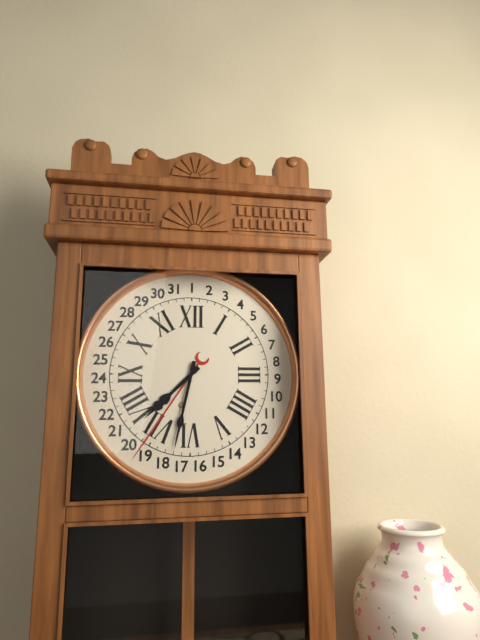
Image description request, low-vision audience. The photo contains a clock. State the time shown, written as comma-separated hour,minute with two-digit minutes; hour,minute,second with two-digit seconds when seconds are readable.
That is 7,32
